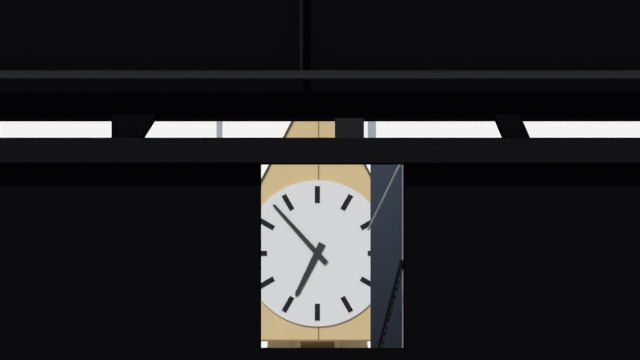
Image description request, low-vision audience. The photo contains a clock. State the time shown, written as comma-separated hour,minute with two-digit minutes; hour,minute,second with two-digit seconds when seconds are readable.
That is 6,53
